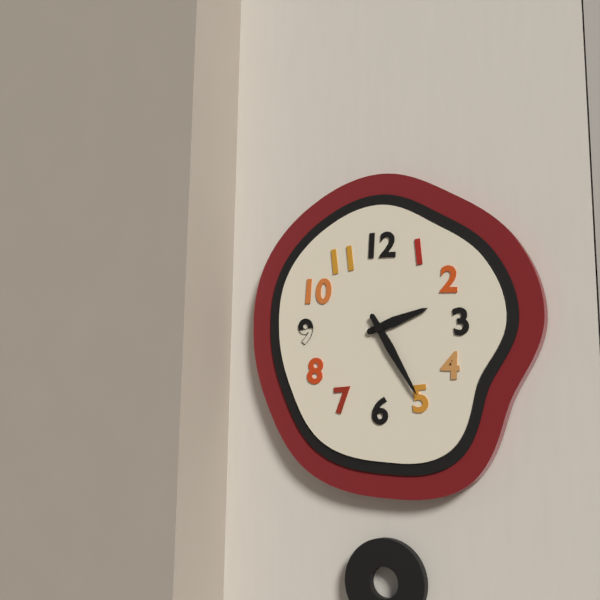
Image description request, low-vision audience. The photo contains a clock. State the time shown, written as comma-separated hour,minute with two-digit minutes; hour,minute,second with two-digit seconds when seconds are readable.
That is 2,25
